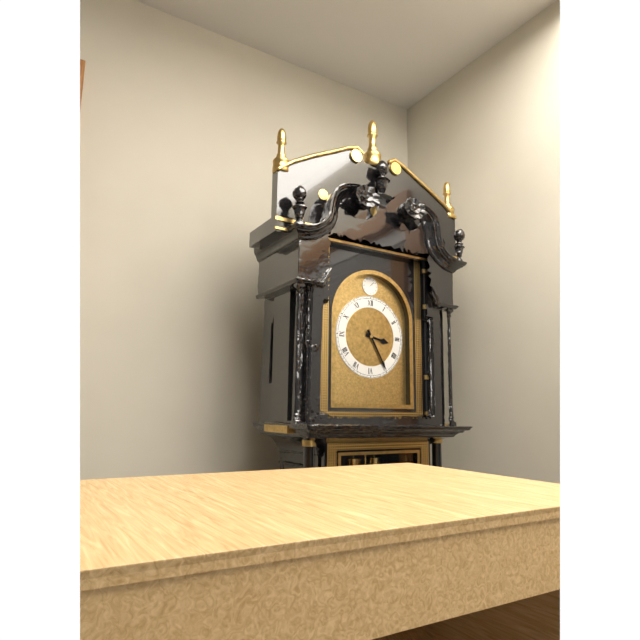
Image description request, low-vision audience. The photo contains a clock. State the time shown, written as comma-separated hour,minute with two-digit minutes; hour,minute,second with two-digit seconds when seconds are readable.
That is 3,25
